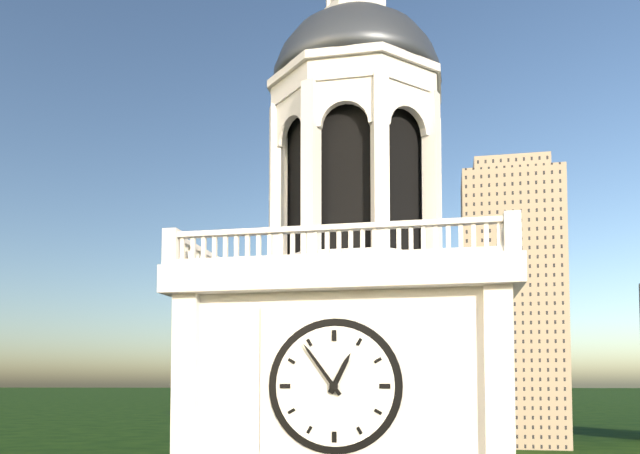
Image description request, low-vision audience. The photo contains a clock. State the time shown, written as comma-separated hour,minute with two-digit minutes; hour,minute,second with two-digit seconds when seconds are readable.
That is 12,54
